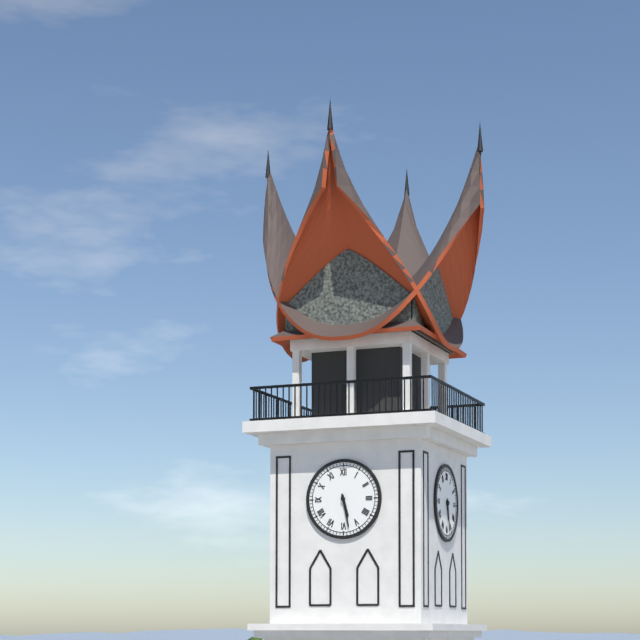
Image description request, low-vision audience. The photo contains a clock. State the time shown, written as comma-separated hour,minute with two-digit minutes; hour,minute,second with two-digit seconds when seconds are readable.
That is 5,28
